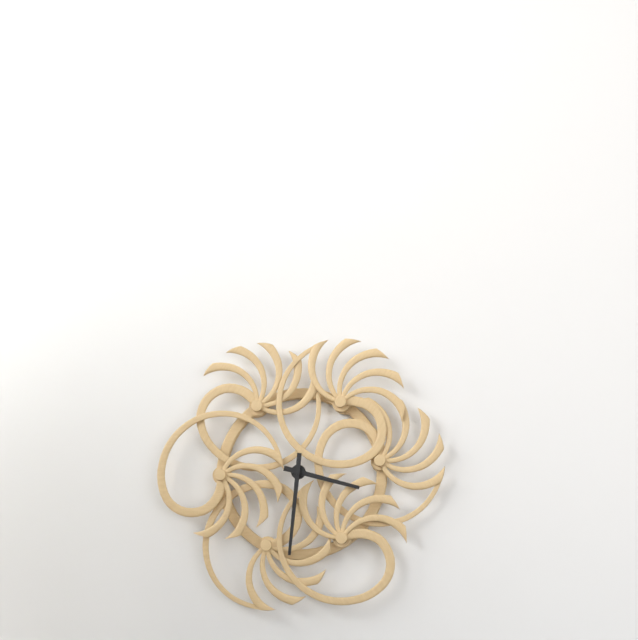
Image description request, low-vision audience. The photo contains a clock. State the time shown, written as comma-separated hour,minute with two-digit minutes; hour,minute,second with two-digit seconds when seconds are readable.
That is 3,31
